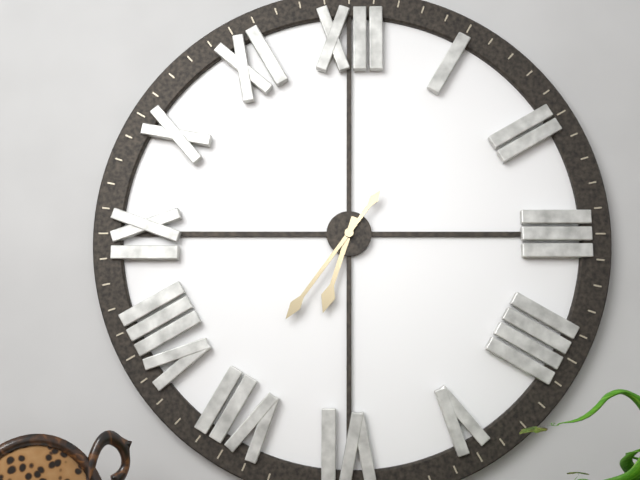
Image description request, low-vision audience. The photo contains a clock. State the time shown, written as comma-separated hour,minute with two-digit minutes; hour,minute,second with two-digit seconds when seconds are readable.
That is 6,36
